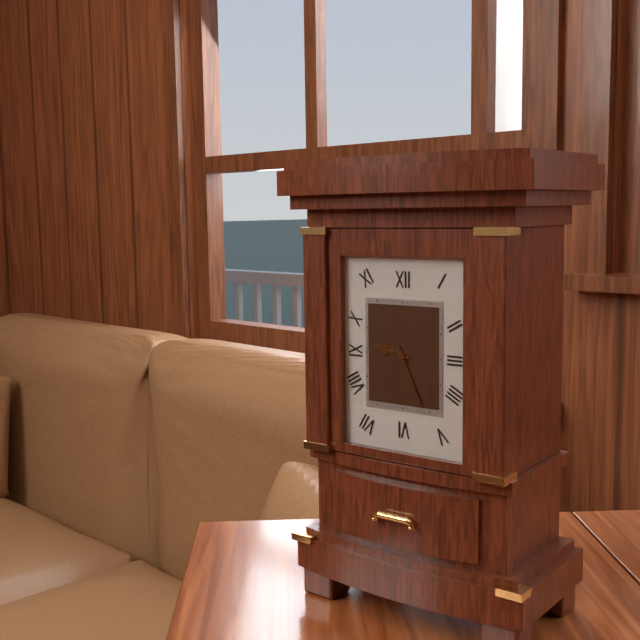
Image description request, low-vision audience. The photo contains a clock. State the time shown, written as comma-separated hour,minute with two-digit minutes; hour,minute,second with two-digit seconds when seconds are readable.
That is 9,26
